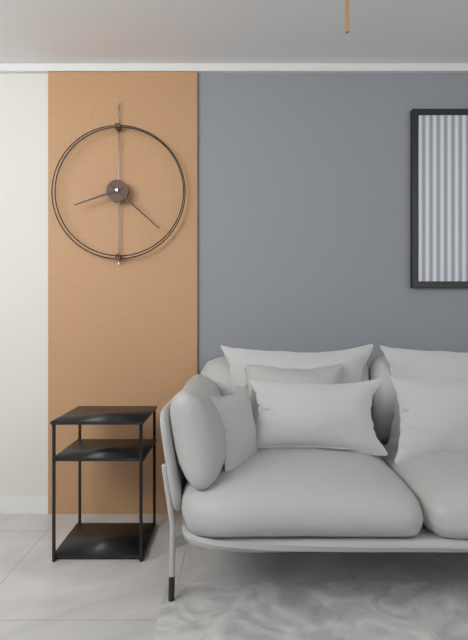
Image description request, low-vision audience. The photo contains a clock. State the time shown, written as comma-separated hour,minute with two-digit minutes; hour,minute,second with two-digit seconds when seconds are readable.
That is 8,22
